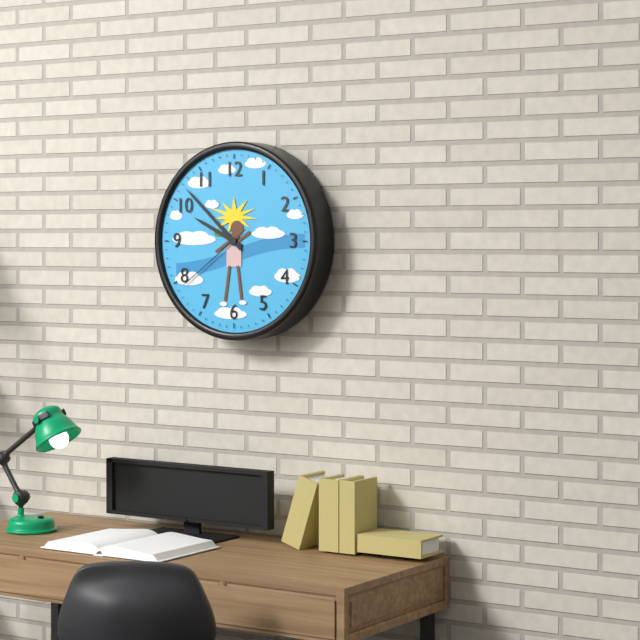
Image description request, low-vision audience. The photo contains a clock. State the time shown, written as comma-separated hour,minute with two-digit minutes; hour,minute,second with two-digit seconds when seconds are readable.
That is 9,52,39
